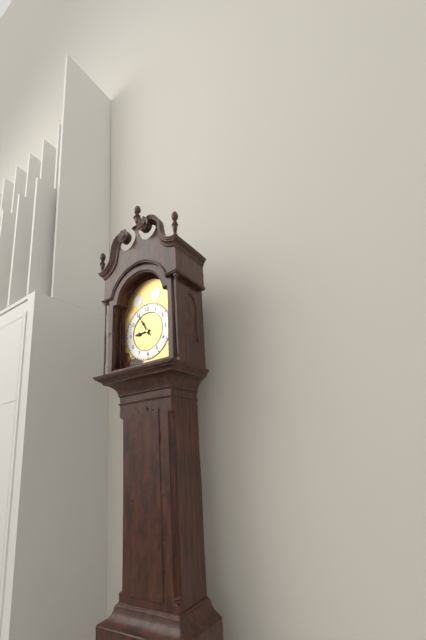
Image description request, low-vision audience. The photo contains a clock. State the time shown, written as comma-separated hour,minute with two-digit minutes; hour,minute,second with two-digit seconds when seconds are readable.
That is 8,55
